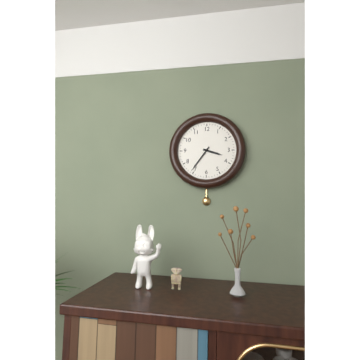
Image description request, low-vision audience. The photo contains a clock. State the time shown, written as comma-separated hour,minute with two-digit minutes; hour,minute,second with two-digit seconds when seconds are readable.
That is 3,36
